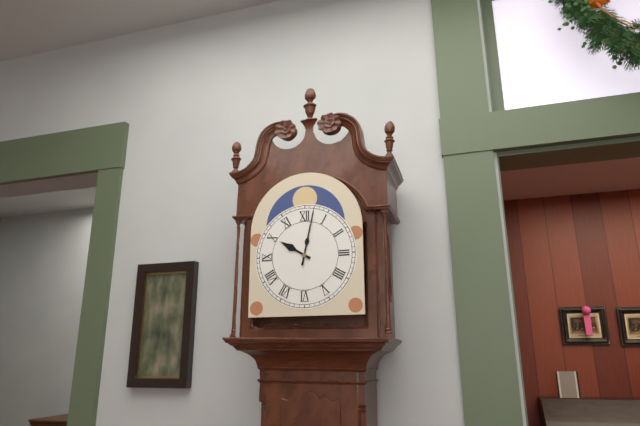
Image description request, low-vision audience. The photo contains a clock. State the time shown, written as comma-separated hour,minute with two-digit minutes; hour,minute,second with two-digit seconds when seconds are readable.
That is 10,02
